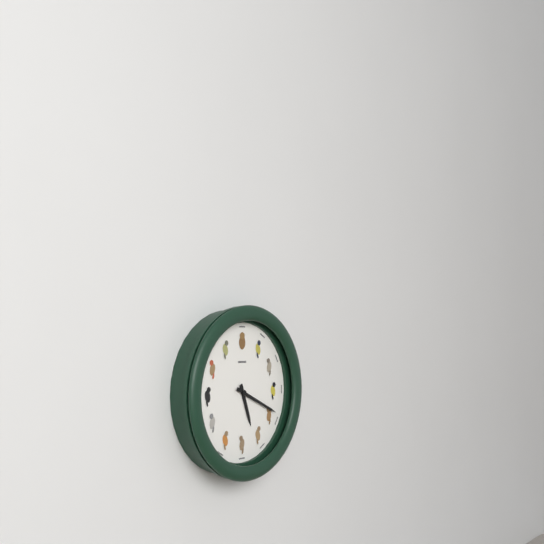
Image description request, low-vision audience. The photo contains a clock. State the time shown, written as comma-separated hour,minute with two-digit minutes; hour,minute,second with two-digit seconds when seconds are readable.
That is 5,19
